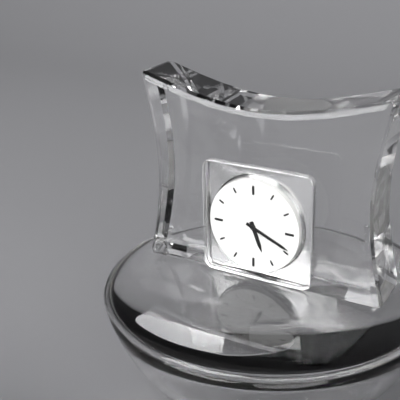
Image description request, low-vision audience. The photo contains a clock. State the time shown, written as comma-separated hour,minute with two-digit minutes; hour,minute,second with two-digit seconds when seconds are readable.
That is 5,19
